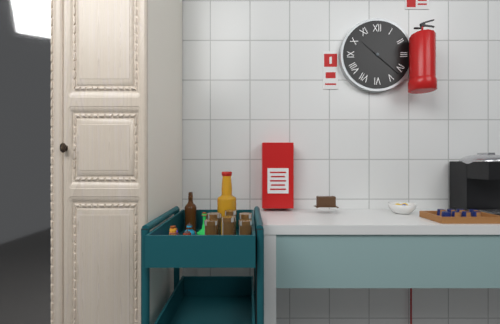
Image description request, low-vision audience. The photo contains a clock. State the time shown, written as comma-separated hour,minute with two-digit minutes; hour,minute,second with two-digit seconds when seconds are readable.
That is 10,22
